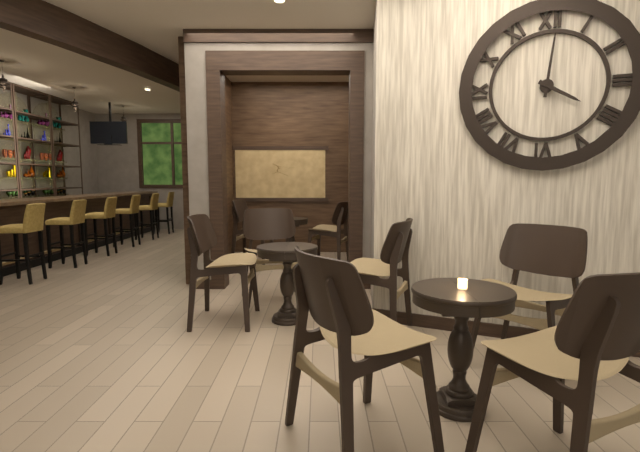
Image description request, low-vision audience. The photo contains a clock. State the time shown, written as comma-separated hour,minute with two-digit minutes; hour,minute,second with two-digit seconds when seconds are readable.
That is 4,01
